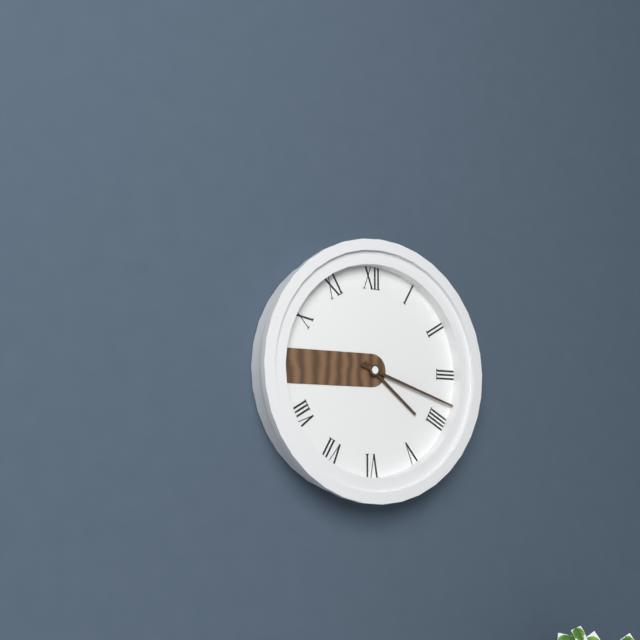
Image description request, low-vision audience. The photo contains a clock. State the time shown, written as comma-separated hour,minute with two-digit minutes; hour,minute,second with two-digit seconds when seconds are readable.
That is 4,18
